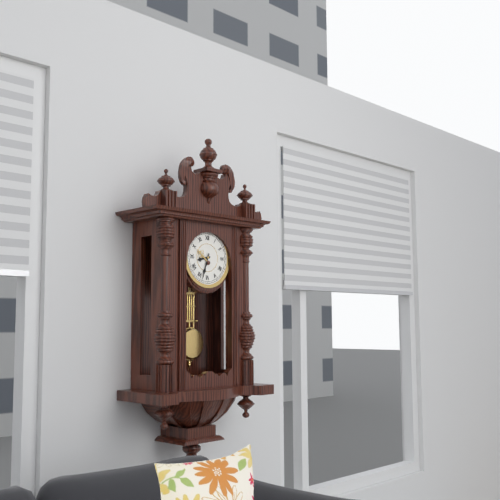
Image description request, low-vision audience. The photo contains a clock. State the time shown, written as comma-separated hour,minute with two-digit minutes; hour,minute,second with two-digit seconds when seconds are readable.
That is 8,33
